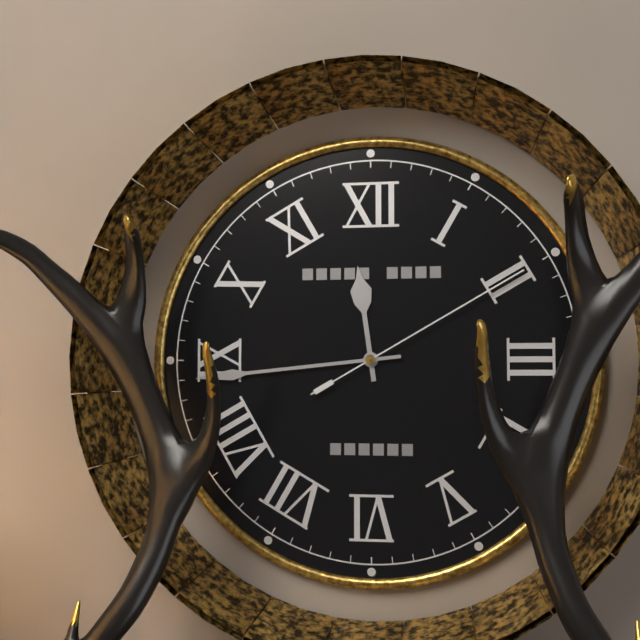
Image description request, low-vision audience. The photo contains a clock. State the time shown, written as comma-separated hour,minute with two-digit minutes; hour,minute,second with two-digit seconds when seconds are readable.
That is 11,44,10
